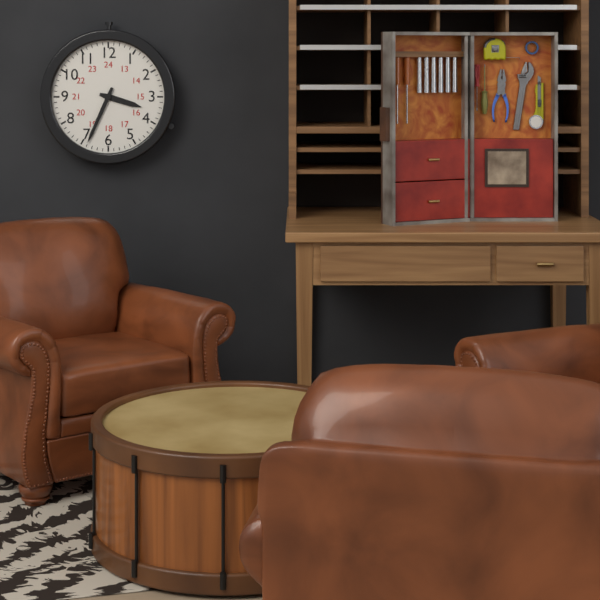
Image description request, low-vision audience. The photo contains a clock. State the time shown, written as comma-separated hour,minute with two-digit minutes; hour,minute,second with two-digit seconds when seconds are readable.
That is 3,34
